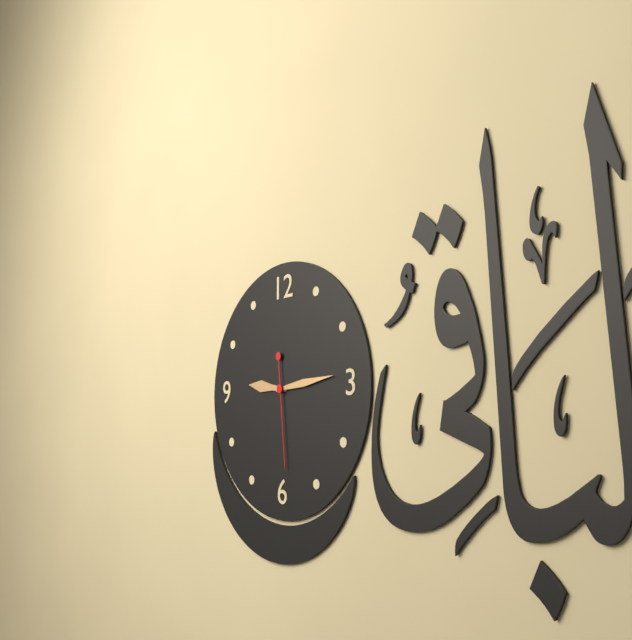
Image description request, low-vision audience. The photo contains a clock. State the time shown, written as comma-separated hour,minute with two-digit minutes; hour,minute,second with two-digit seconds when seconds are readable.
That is 9,14,29
